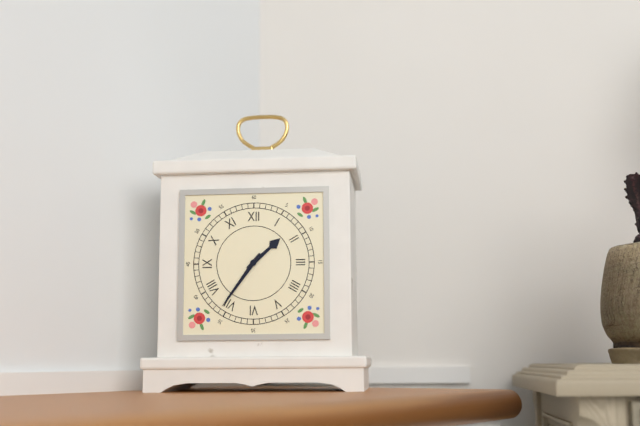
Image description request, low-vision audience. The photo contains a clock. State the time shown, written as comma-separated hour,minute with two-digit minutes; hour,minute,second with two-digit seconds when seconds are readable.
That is 1,36
